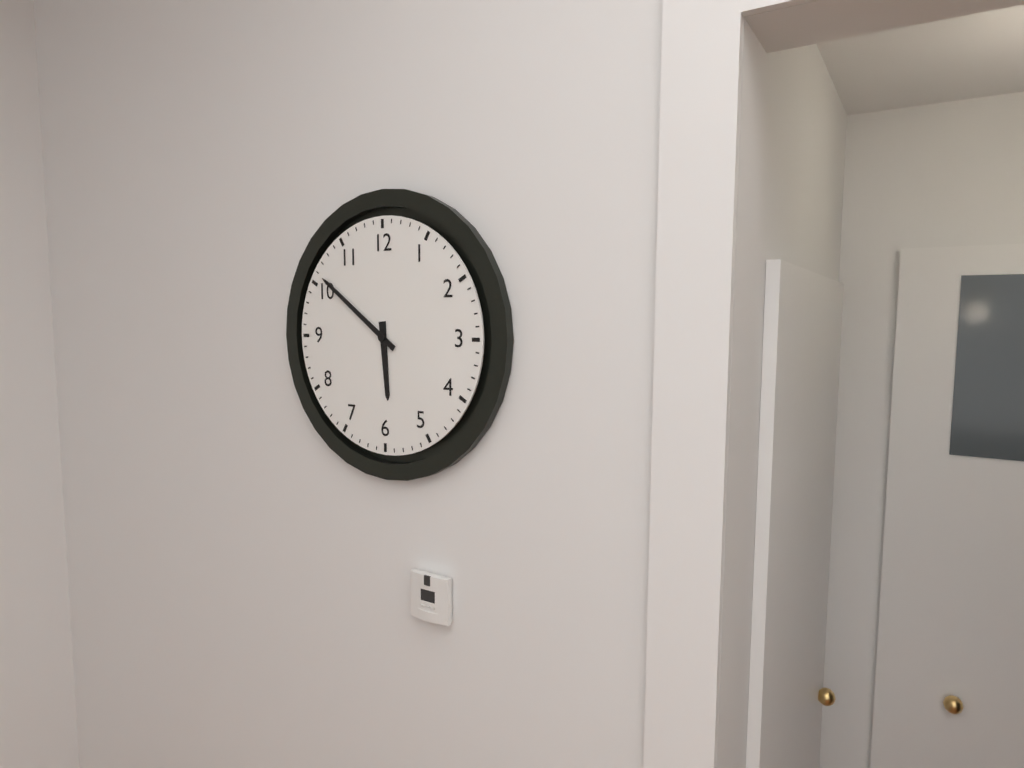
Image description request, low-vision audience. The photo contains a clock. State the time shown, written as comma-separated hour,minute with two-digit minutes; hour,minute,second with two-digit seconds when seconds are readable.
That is 5,51
